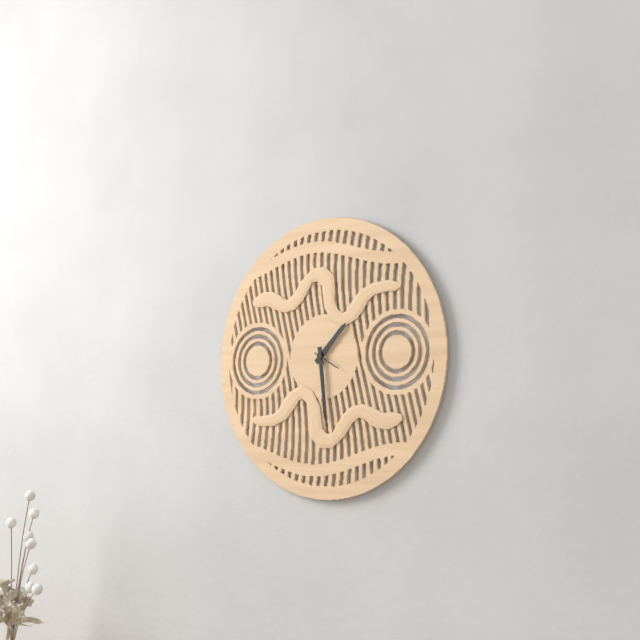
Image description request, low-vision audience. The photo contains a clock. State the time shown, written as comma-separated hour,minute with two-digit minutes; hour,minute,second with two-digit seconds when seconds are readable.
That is 1,29
